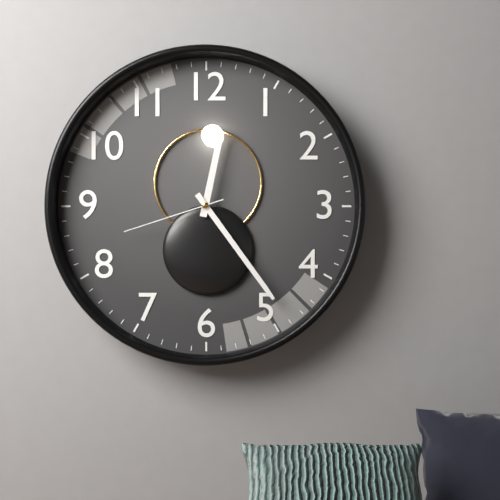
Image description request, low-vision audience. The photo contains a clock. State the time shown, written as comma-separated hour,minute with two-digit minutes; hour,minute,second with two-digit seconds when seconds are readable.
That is 12,24,42
